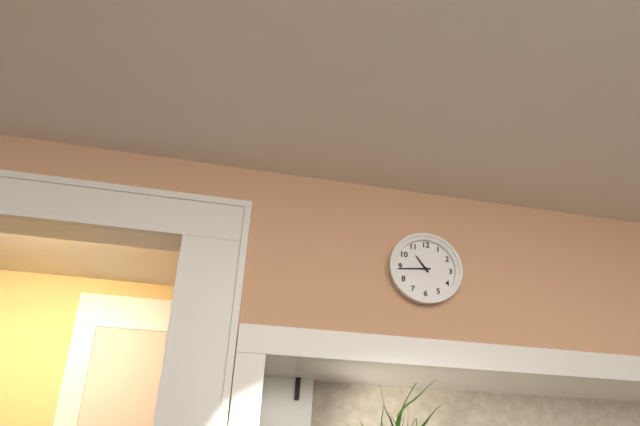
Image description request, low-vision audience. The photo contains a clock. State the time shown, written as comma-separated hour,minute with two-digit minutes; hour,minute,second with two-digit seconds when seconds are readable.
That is 10,44
